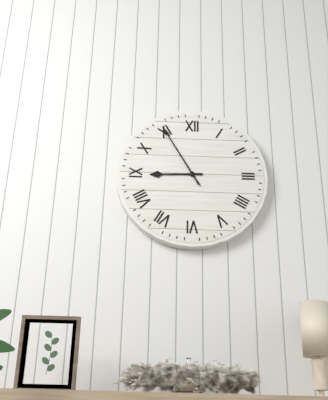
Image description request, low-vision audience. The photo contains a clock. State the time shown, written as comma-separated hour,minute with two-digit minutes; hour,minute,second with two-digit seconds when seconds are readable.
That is 8,55
